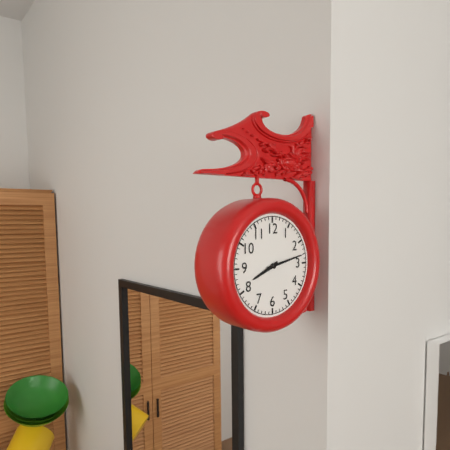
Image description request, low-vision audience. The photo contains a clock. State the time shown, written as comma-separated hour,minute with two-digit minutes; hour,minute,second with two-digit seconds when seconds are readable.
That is 8,13
